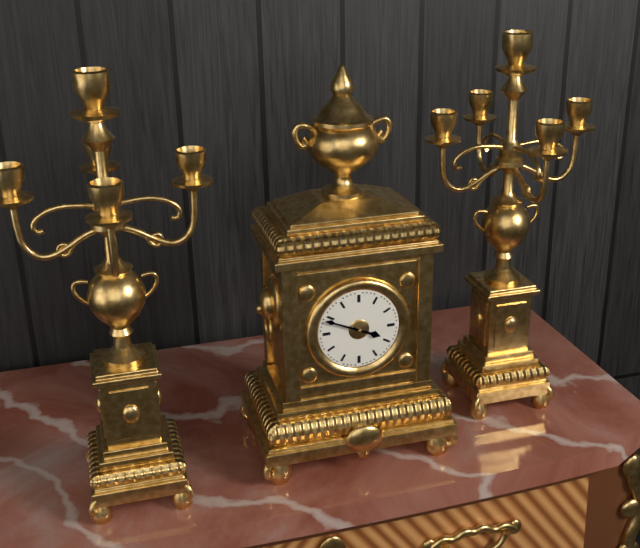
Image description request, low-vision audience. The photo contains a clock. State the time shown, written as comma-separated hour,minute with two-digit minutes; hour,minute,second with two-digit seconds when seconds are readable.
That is 3,49
